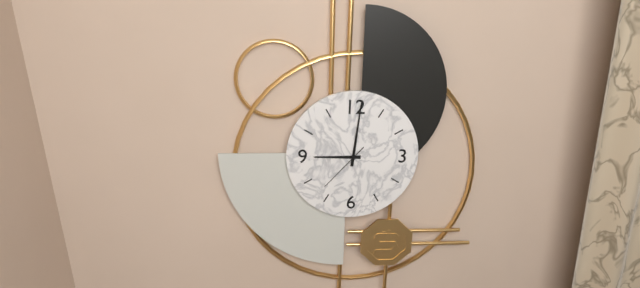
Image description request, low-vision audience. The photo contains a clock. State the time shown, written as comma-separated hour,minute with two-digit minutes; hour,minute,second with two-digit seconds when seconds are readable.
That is 9,01,37
